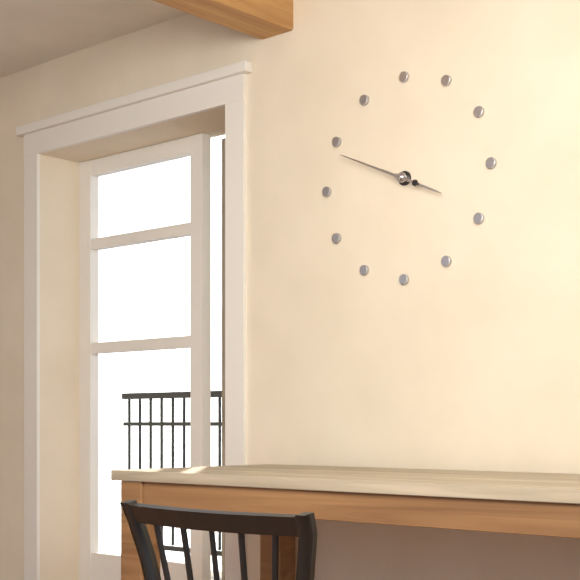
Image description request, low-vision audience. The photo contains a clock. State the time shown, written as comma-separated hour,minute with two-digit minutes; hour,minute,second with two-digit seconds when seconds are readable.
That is 3,49
